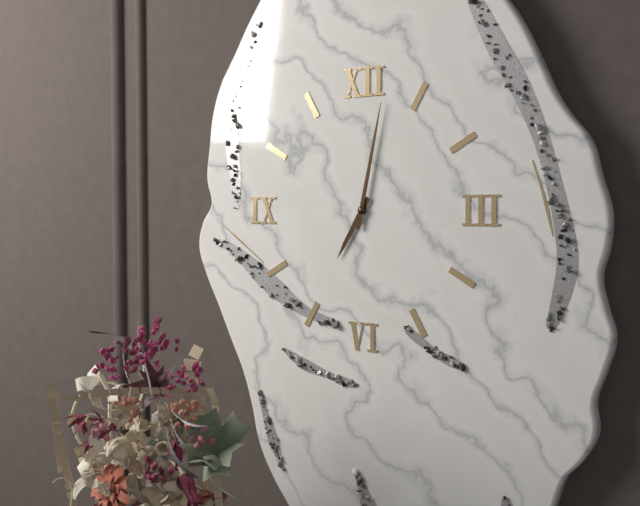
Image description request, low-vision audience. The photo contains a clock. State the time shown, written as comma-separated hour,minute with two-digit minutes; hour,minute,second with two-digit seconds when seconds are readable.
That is 7,02
